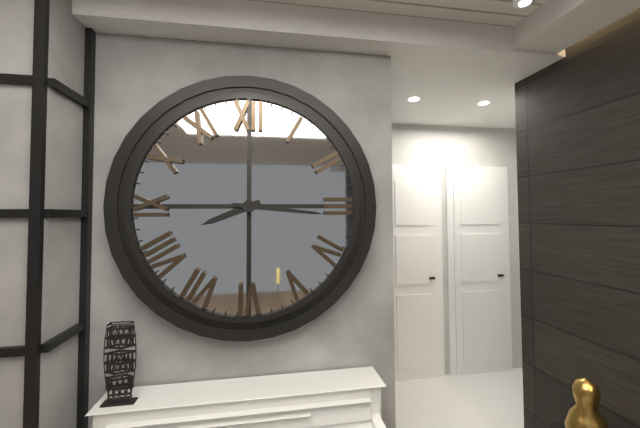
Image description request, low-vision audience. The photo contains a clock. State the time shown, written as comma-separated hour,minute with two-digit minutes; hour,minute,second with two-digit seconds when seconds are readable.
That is 8,16
